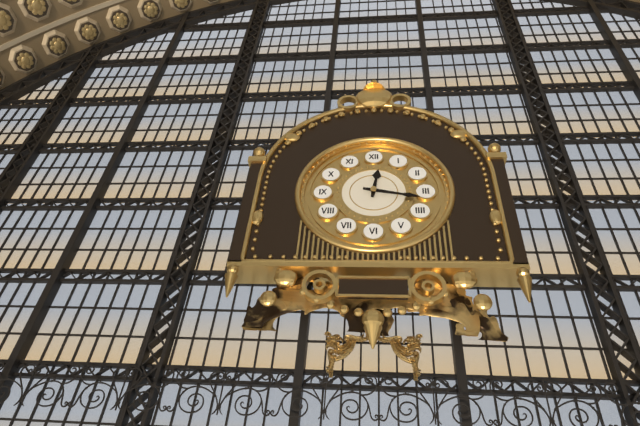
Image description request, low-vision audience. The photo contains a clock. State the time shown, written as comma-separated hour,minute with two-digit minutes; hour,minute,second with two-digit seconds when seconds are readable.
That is 12,17
